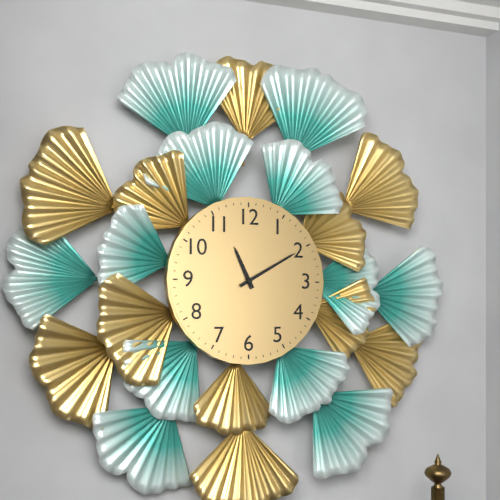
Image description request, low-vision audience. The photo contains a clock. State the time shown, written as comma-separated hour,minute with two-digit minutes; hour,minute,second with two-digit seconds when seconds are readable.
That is 11,10
